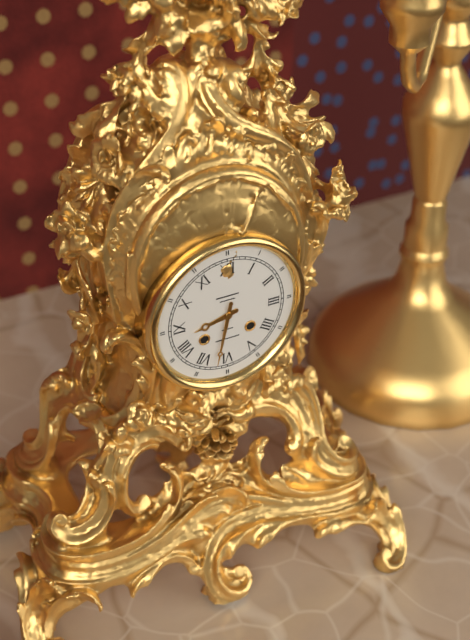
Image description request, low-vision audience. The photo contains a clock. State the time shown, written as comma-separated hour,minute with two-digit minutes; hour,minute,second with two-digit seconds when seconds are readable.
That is 8,32
